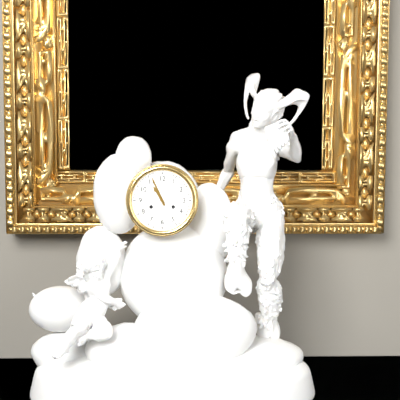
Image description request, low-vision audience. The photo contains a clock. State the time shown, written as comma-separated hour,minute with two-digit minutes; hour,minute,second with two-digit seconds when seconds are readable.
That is 10,56
